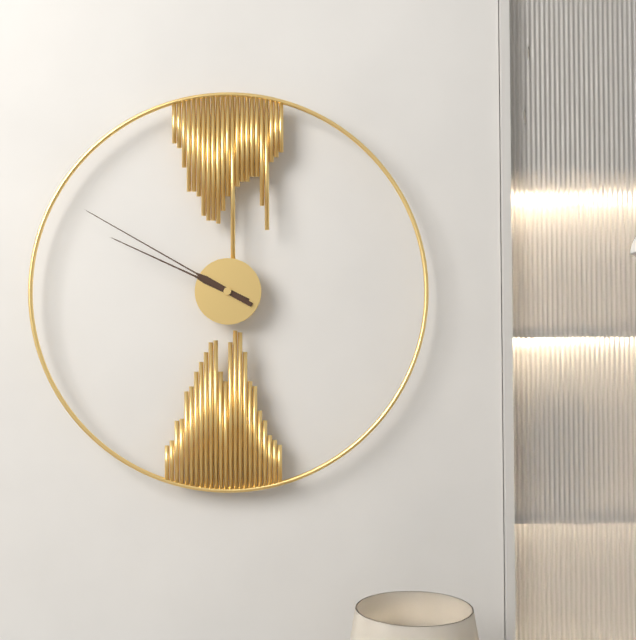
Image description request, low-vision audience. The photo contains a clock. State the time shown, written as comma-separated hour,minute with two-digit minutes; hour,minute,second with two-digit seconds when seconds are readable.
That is 9,50
